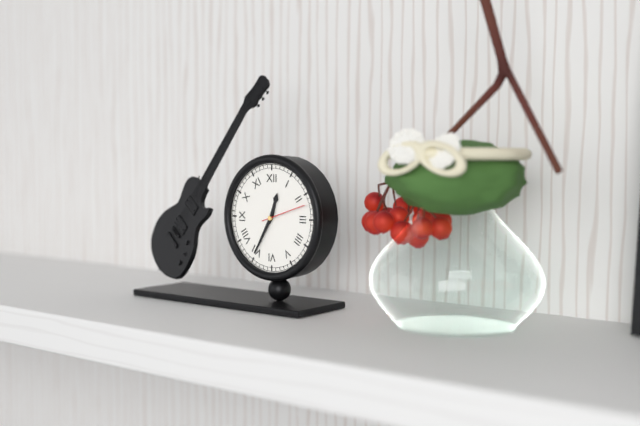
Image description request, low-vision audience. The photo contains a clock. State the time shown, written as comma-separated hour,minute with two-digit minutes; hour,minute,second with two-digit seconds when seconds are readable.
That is 12,35
